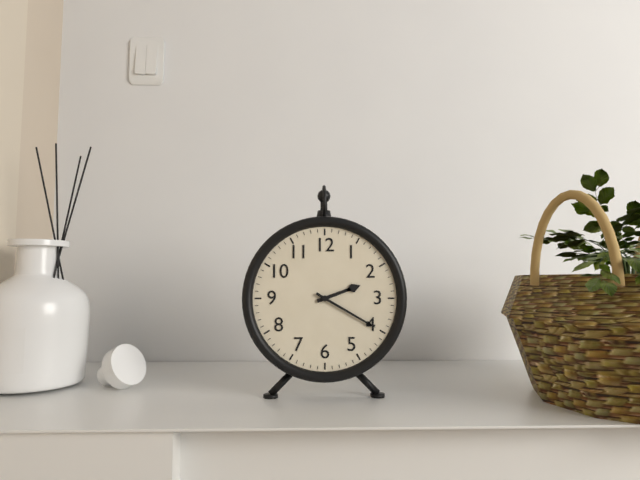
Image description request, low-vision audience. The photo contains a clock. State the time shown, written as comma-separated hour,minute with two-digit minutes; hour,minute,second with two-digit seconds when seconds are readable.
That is 2,20
